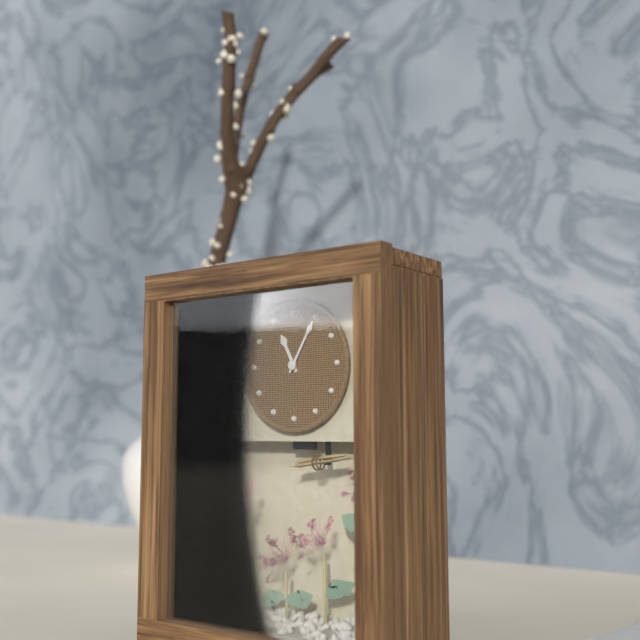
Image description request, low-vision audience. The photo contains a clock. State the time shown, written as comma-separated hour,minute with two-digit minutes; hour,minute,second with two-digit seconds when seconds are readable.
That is 11,05
